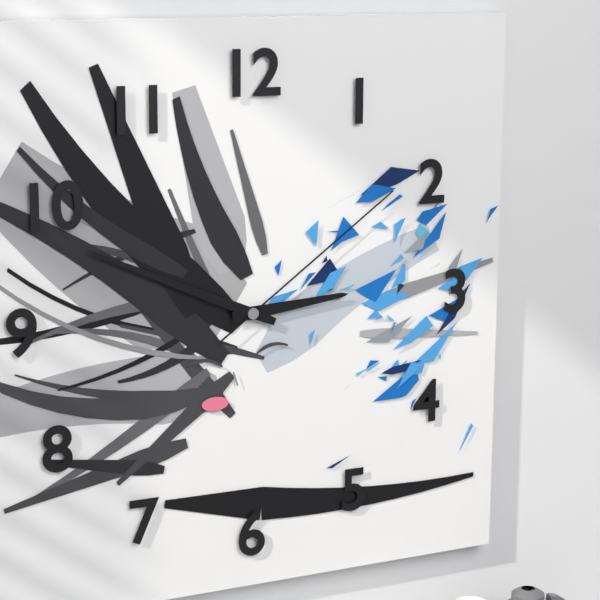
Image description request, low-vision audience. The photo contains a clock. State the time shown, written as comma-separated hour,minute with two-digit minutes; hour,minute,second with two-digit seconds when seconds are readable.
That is 2,49,09
